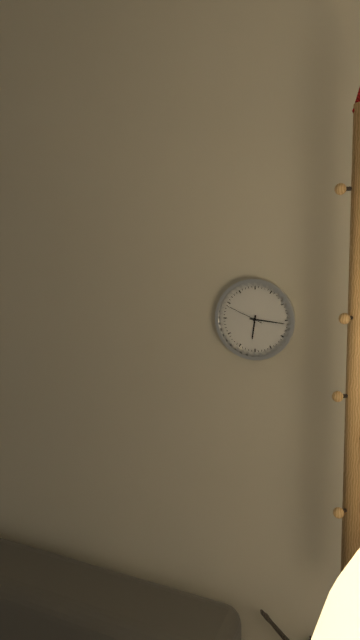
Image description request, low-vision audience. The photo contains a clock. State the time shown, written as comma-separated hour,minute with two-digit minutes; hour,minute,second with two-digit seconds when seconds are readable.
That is 6,16
